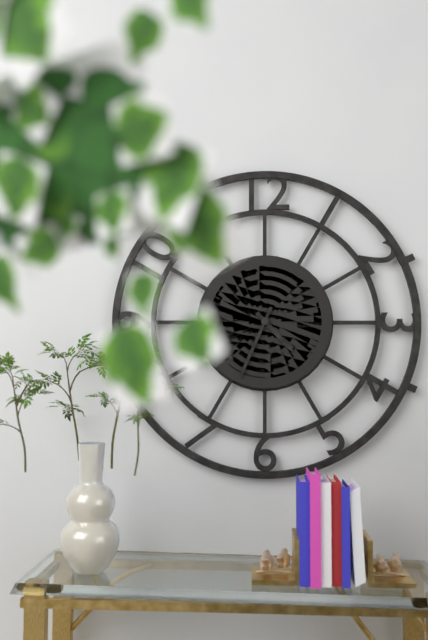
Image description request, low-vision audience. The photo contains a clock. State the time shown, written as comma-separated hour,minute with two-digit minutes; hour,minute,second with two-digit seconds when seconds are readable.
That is 4,34
